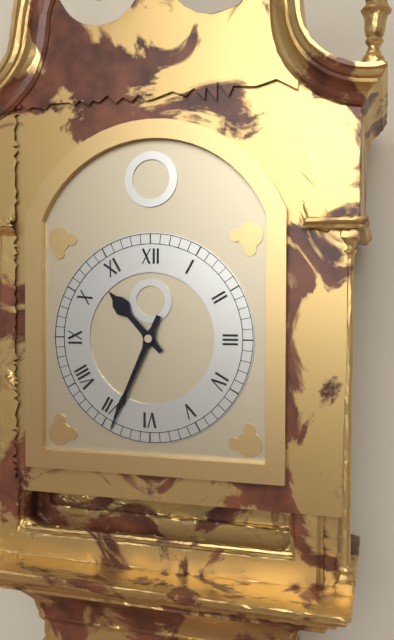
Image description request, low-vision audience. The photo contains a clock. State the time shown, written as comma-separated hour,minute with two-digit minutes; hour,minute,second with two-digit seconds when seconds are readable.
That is 10,34
